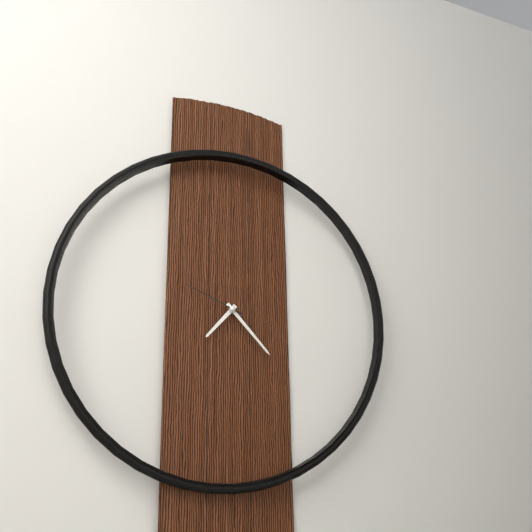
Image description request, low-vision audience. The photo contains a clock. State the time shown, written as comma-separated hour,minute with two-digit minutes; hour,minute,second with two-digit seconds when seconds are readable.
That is 7,23,49
